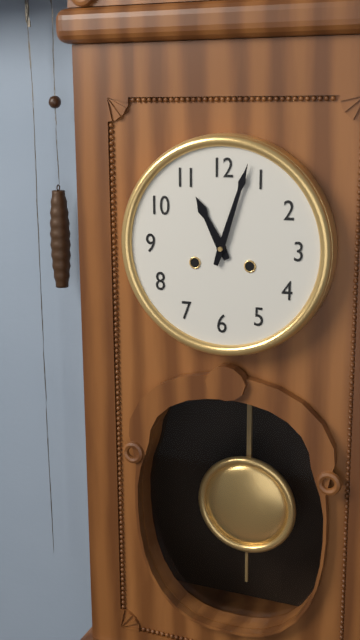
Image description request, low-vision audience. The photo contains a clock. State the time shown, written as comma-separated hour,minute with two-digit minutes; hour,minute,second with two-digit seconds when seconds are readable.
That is 11,03
